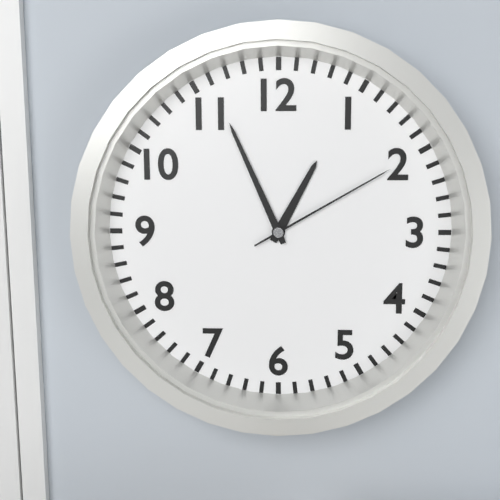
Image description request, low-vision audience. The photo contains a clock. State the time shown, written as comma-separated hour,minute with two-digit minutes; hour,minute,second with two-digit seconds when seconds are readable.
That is 12,56,10
